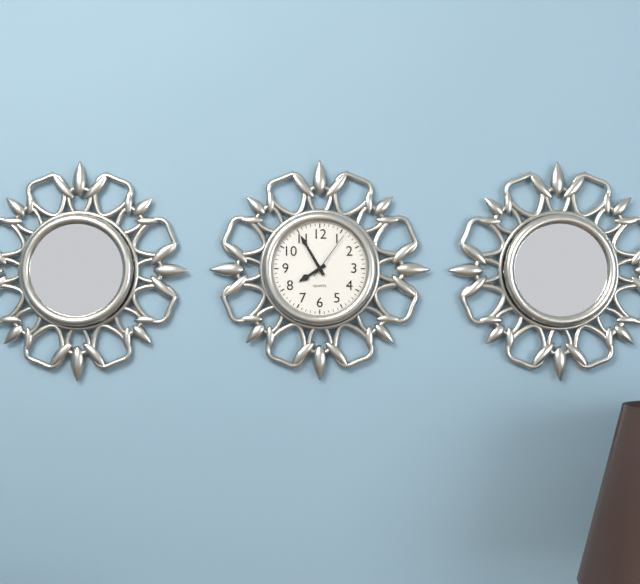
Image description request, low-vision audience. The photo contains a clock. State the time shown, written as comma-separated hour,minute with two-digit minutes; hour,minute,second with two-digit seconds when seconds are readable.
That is 7,55,06
